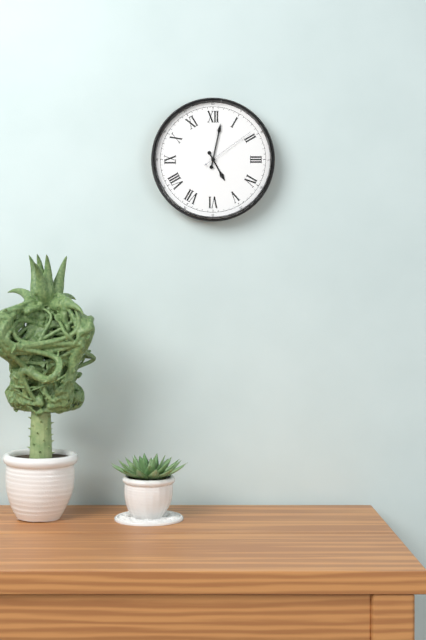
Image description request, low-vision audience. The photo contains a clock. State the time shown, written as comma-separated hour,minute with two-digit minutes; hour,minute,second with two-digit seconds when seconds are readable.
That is 5,02,09
